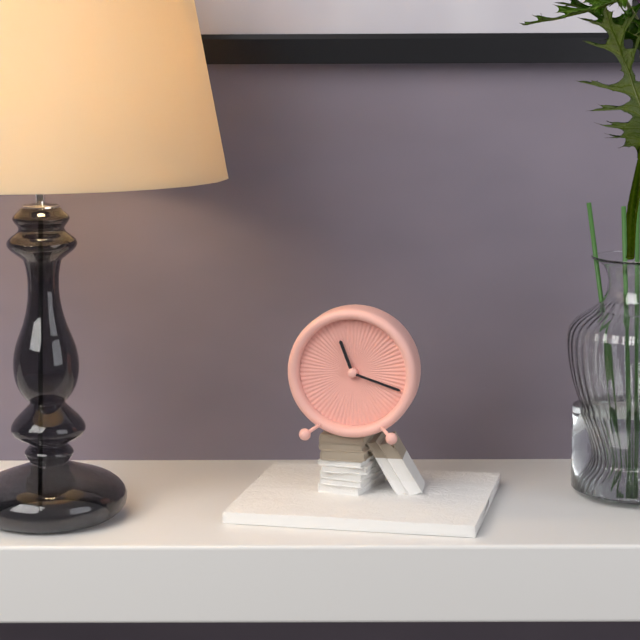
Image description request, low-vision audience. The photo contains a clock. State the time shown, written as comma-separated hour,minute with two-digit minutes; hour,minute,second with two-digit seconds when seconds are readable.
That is 11,18
